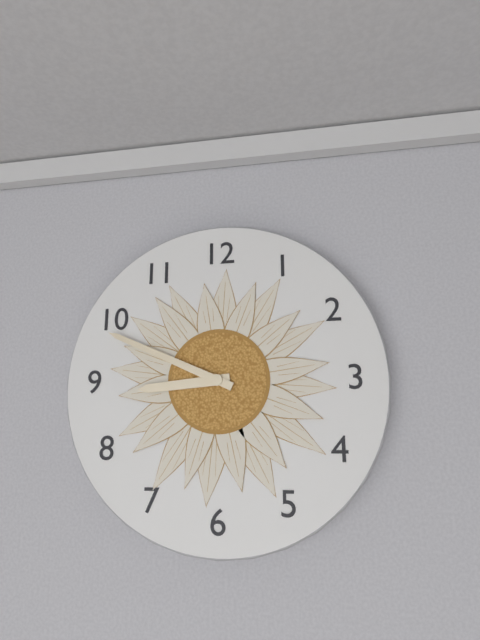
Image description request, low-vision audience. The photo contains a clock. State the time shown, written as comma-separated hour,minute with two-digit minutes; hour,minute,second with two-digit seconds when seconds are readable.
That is 8,49
